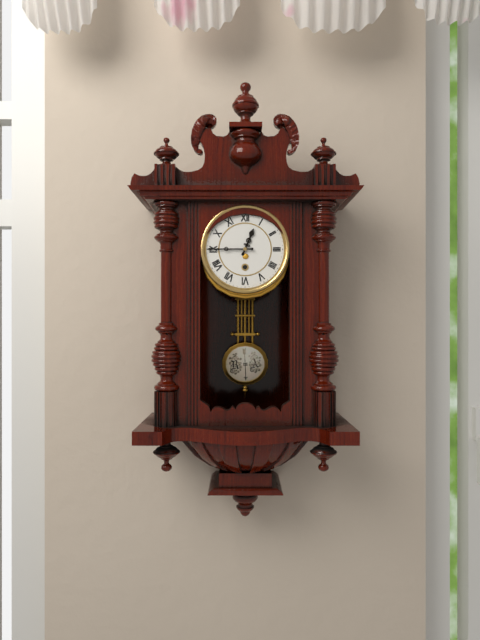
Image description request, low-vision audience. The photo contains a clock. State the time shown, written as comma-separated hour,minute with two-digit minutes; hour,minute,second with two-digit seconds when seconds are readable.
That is 12,45
